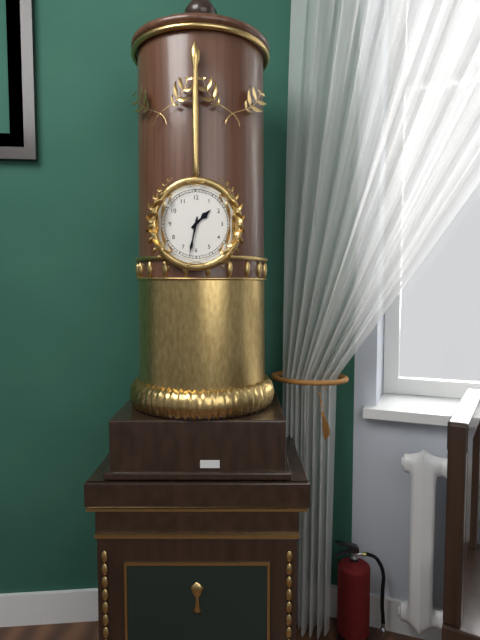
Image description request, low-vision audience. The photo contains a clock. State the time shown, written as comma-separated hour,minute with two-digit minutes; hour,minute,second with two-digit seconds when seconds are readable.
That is 1,32
